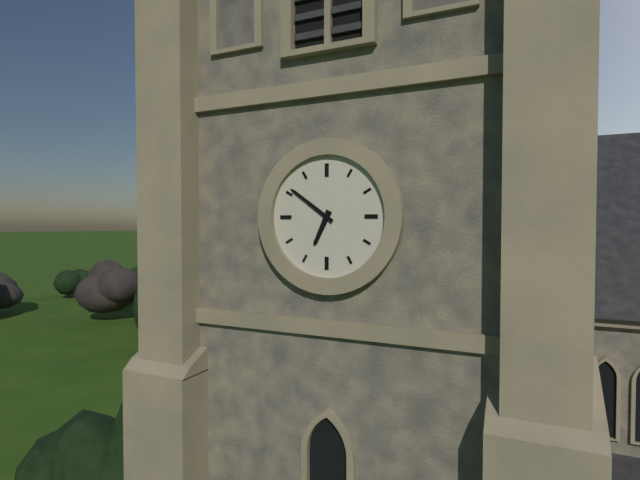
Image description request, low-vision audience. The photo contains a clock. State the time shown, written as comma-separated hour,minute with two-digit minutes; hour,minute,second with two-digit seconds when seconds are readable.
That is 6,51
